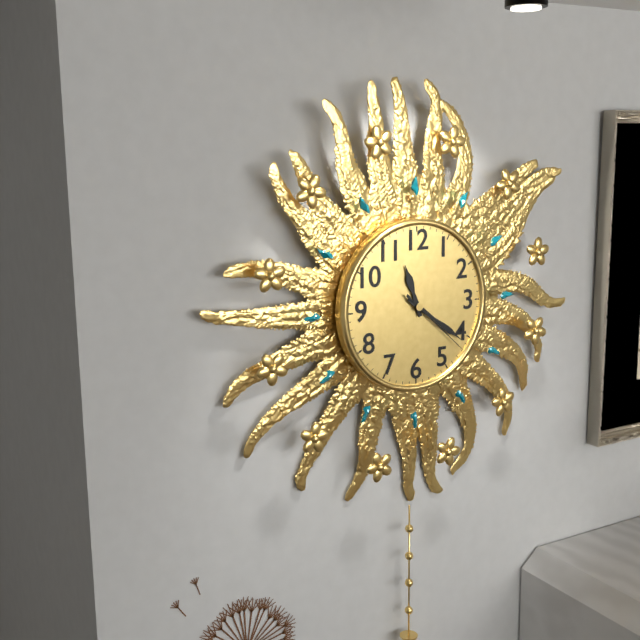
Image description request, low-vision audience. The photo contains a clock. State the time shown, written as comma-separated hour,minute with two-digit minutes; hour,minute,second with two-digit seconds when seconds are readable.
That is 11,21,22
